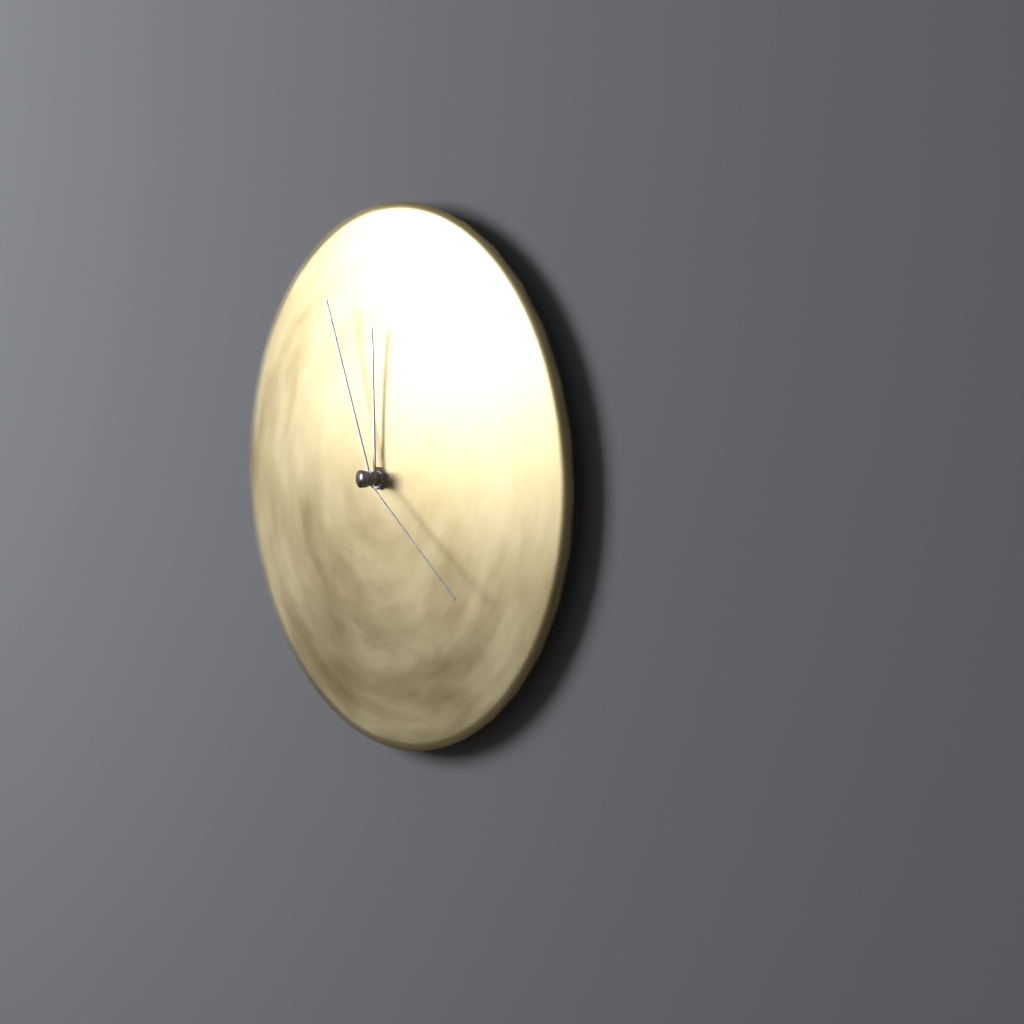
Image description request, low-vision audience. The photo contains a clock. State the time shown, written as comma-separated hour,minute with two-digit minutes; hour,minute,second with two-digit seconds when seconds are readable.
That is 11,56,21
